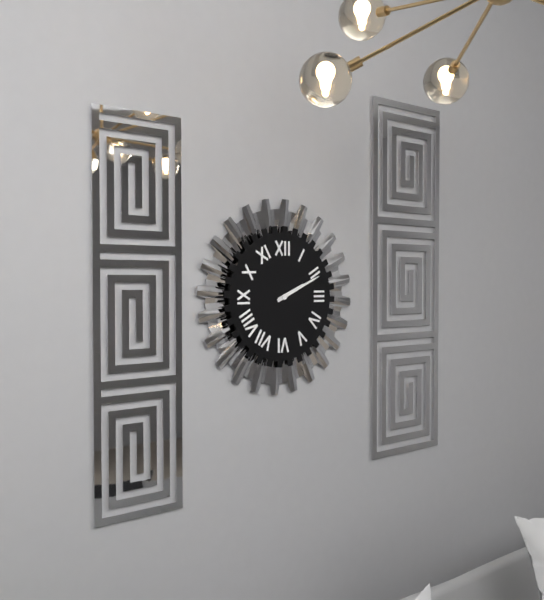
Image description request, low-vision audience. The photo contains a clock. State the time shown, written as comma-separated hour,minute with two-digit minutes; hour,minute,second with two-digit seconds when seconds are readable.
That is 2,11
